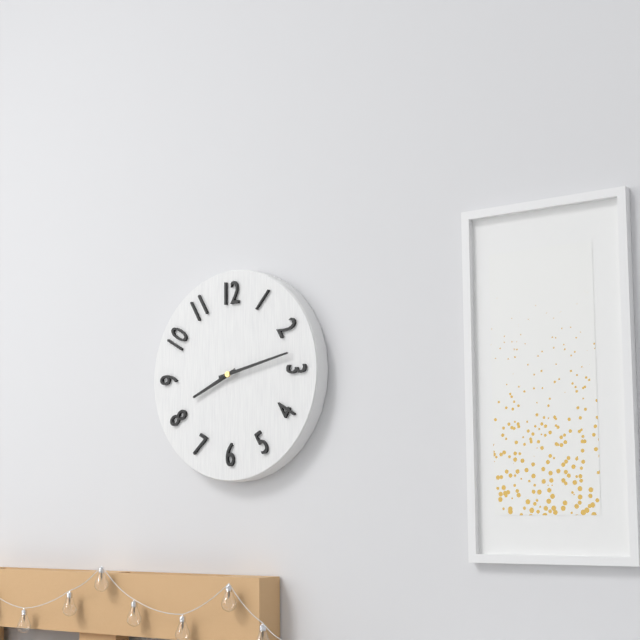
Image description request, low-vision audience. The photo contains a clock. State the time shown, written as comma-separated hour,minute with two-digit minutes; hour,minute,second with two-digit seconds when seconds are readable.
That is 8,13
